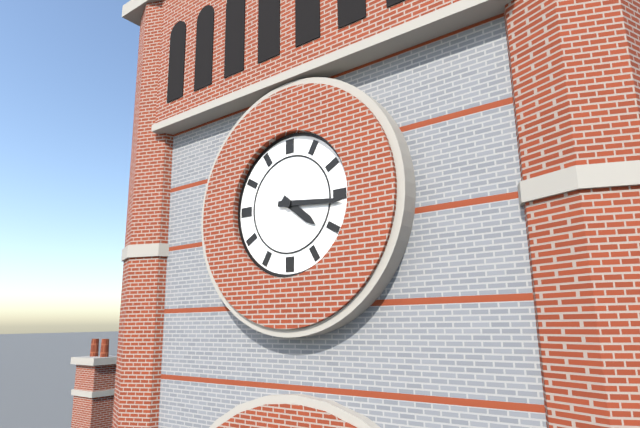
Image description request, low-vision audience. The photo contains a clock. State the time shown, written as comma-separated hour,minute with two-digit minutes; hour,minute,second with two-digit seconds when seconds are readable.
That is 4,16
